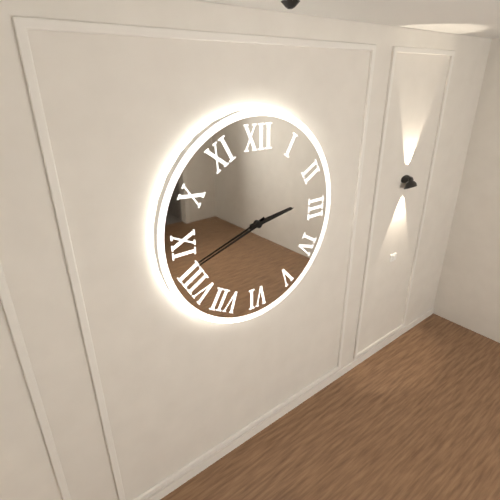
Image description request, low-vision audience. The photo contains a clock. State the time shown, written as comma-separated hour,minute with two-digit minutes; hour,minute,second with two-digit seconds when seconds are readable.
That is 2,42
